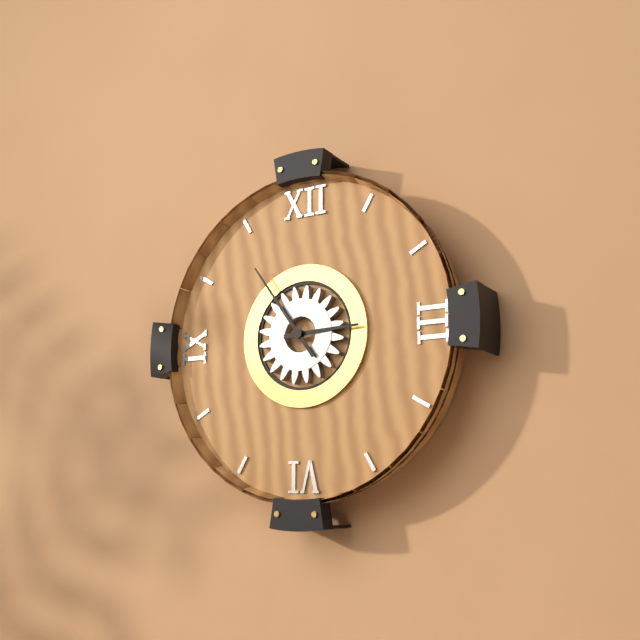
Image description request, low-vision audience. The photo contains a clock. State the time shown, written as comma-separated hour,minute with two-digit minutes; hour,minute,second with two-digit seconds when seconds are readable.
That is 2,54
